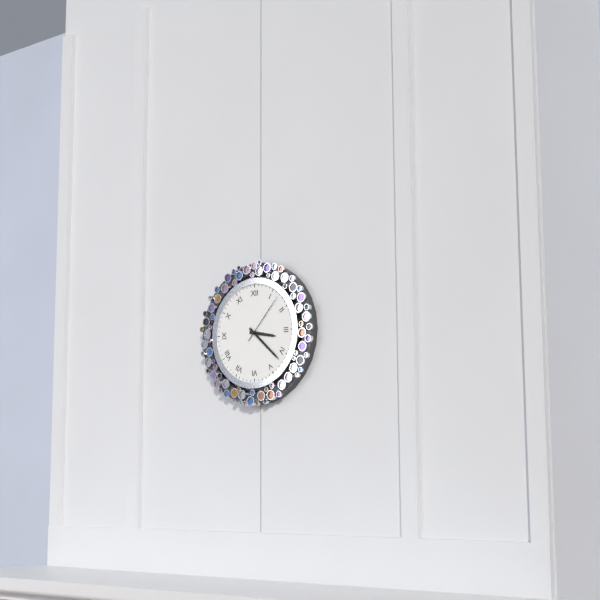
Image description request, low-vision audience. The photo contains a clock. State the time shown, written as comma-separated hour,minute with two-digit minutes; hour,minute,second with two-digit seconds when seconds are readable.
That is 3,22,07
